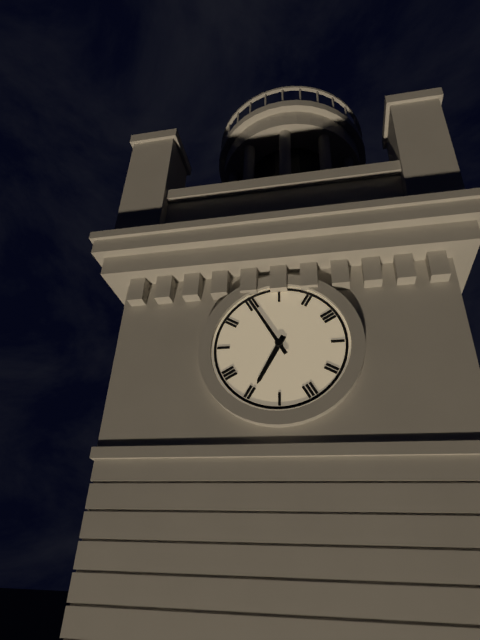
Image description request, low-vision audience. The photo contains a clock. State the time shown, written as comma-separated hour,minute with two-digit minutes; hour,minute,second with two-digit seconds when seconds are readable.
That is 6,55
